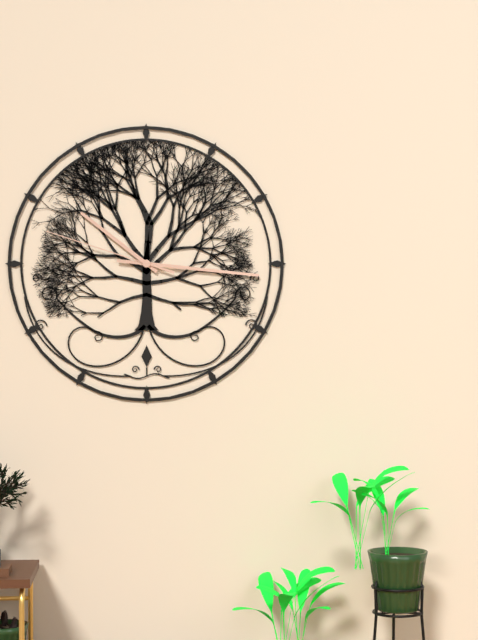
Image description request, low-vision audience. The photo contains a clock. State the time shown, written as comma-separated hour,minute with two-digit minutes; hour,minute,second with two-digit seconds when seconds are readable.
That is 10,16,48
